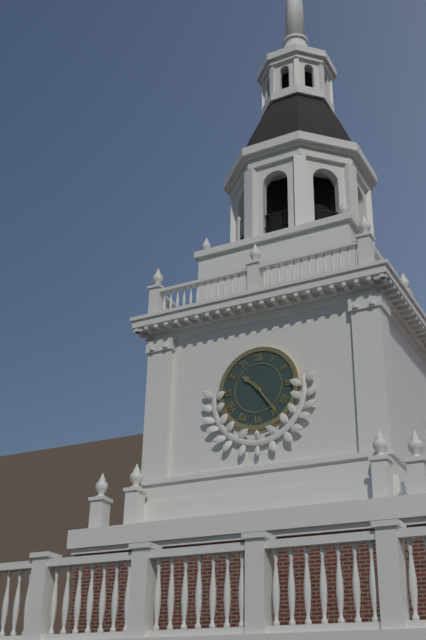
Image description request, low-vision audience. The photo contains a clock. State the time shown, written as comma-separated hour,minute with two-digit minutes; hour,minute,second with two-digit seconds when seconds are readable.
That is 10,24
